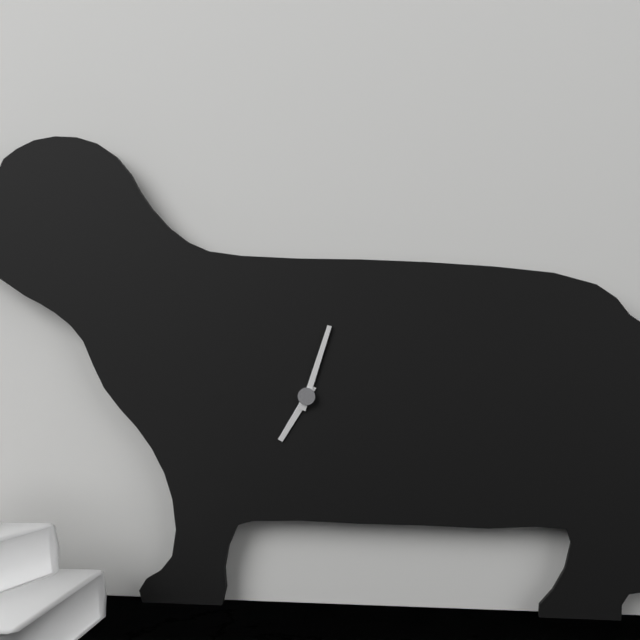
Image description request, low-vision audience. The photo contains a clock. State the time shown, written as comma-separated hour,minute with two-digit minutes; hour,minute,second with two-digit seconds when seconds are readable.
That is 7,03
